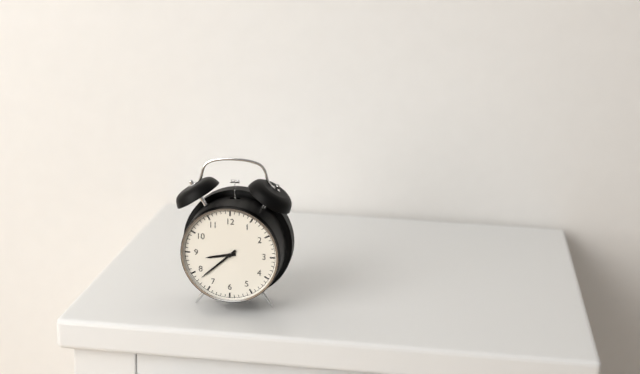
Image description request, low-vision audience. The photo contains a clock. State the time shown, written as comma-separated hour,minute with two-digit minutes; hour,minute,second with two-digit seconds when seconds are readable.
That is 8,38
